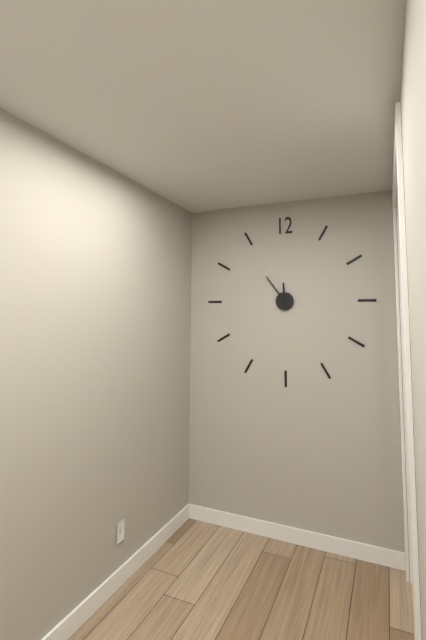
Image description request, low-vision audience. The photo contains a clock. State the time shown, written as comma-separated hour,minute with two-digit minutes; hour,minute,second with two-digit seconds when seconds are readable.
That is 11,54
